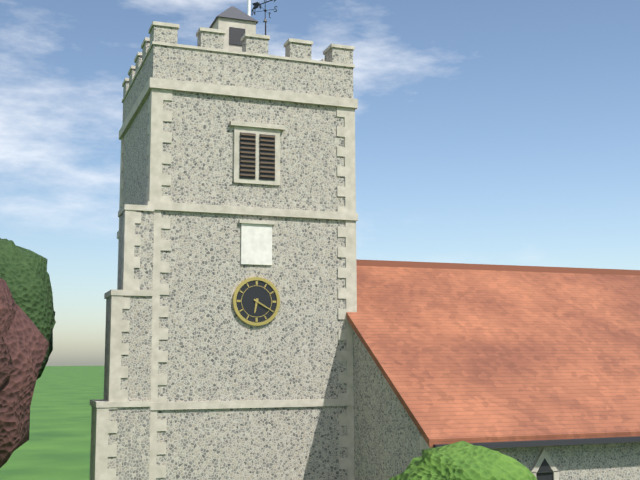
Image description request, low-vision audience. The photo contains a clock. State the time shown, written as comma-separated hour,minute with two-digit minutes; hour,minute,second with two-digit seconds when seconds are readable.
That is 6,20
